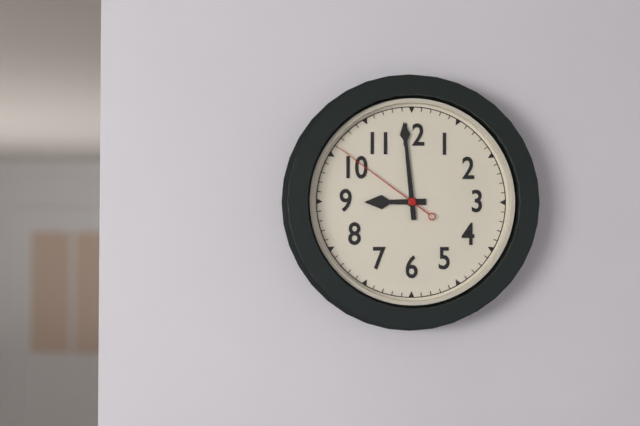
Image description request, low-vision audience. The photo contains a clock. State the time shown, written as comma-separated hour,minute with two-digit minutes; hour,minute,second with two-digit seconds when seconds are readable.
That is 8,59,51
